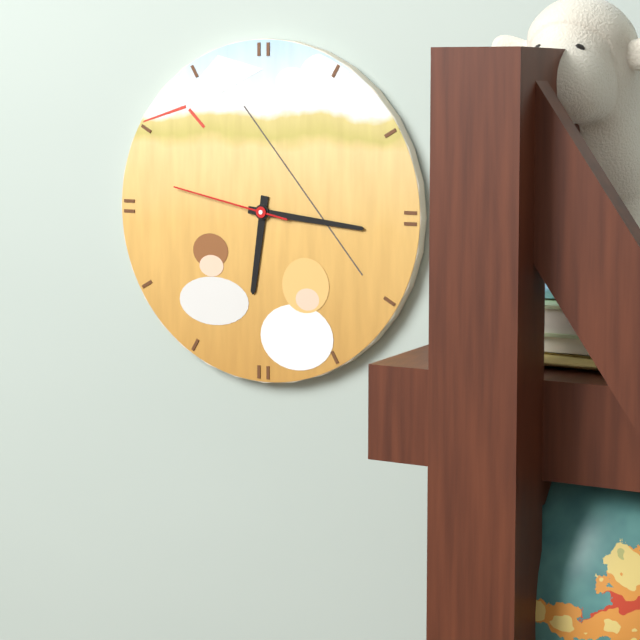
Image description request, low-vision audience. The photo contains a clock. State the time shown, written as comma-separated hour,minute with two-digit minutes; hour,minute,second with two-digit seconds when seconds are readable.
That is 6,16,47
